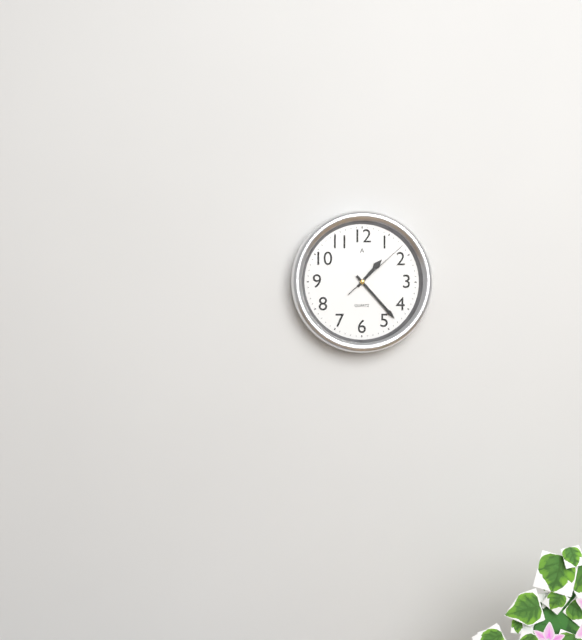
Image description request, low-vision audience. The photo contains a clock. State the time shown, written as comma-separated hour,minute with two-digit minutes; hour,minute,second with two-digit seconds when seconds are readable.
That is 1,23,08
